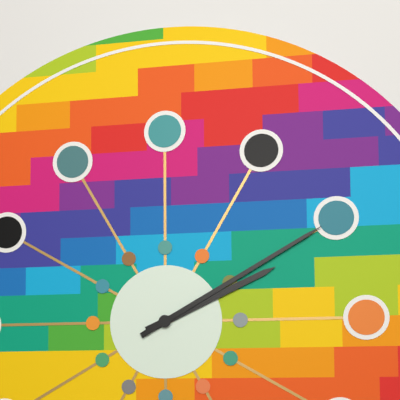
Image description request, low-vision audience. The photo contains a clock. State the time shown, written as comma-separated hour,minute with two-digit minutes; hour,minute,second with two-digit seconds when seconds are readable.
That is 2,10
